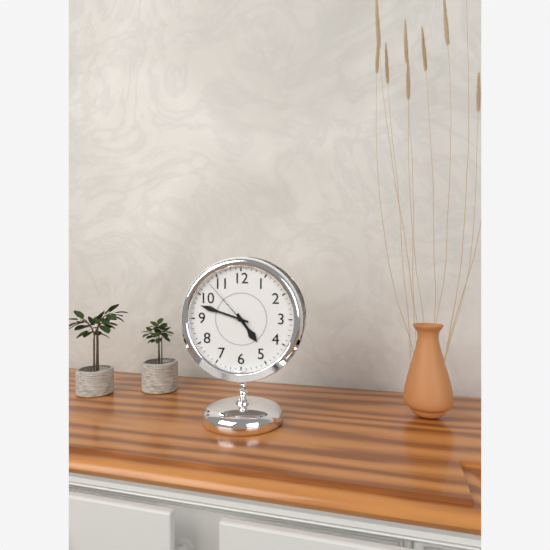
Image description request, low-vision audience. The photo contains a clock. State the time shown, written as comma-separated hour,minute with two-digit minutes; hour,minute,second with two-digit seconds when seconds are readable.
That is 4,48,53
